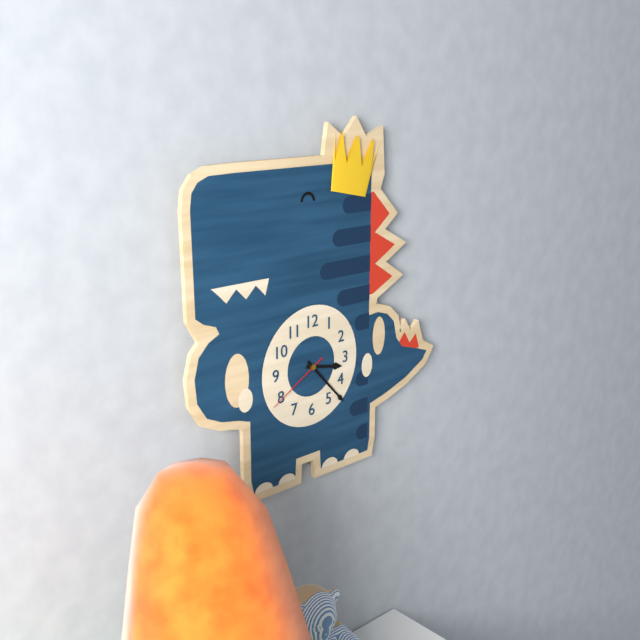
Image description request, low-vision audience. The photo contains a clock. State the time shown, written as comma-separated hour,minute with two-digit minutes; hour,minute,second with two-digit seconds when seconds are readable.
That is 3,23,40
